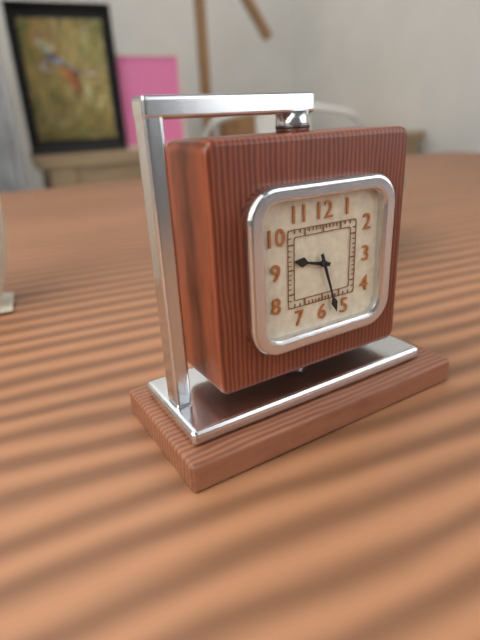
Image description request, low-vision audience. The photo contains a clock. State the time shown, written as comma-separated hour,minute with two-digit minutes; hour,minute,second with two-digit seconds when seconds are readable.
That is 9,27
